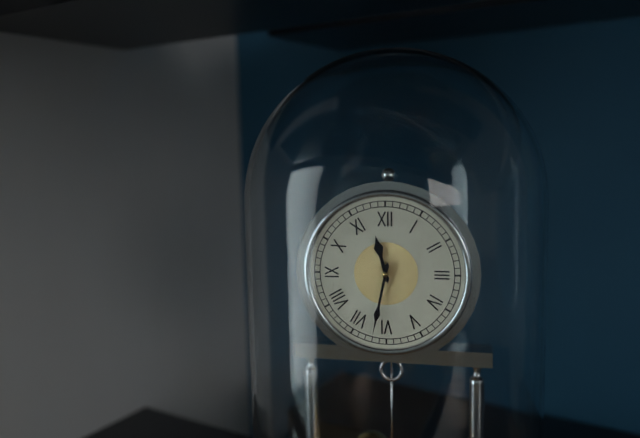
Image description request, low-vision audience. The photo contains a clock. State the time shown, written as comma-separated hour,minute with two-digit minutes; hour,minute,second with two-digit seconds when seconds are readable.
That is 11,32
